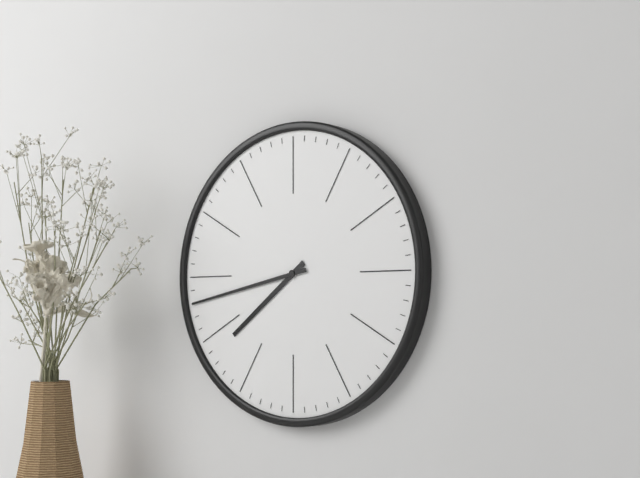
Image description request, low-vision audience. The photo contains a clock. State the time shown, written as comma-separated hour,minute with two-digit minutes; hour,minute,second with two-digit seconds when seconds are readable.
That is 7,43
